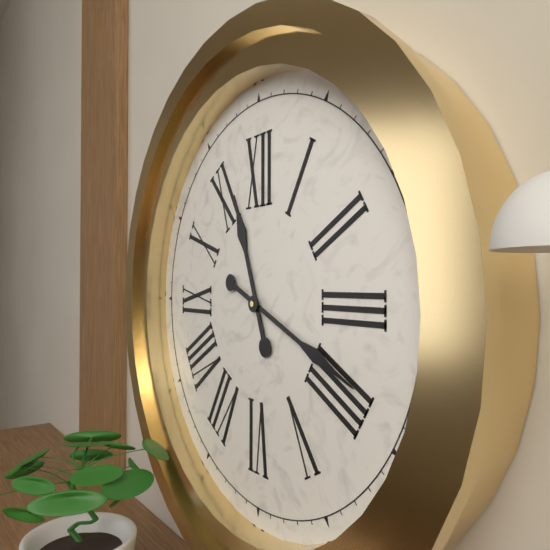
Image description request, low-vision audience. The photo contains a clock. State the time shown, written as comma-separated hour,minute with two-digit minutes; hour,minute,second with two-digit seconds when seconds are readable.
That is 11,19
